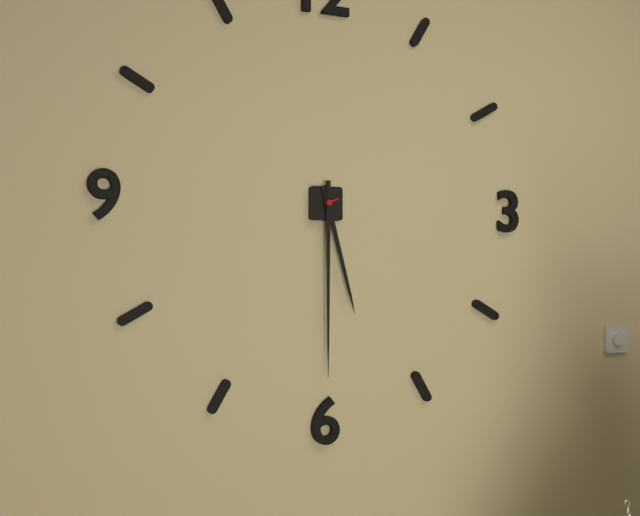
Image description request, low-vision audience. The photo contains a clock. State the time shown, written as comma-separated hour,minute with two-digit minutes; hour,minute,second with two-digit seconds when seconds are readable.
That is 5,30
